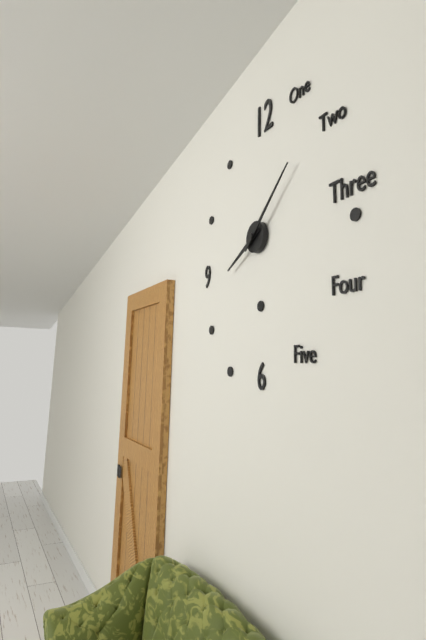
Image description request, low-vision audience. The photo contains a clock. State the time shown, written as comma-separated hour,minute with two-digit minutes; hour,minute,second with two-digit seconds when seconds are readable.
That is 8,08
